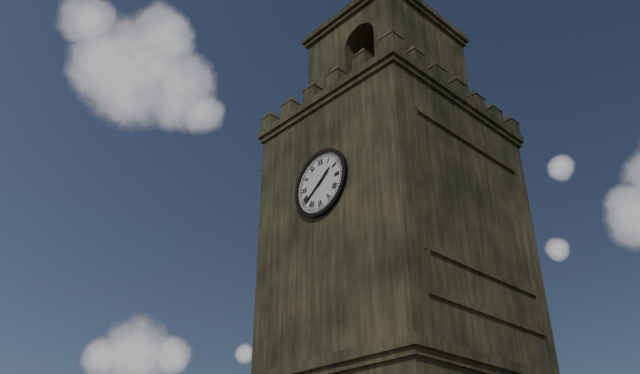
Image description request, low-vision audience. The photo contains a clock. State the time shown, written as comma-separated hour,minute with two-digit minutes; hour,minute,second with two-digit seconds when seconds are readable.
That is 1,39
